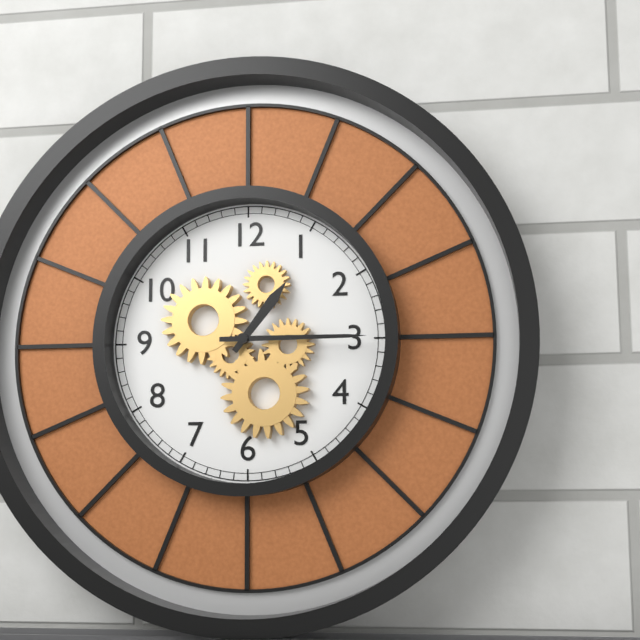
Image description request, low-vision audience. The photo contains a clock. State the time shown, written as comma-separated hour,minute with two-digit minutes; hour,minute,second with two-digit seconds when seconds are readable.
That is 1,15
